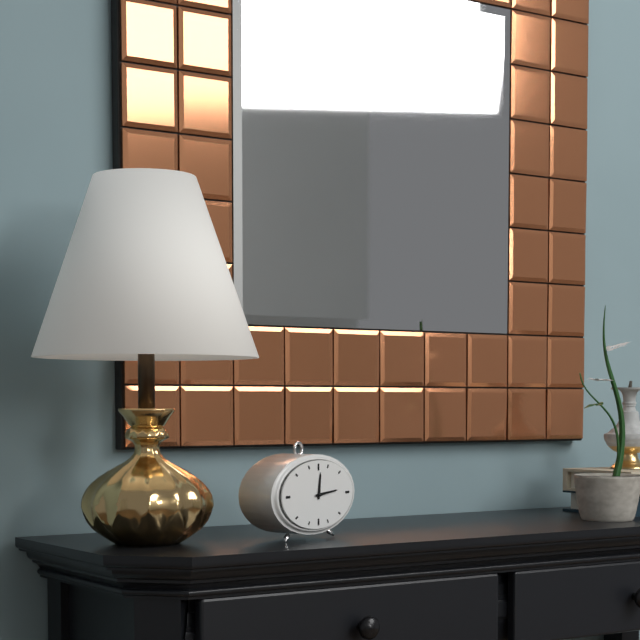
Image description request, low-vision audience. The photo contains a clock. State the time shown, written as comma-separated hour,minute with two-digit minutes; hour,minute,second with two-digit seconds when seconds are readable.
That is 12,14
